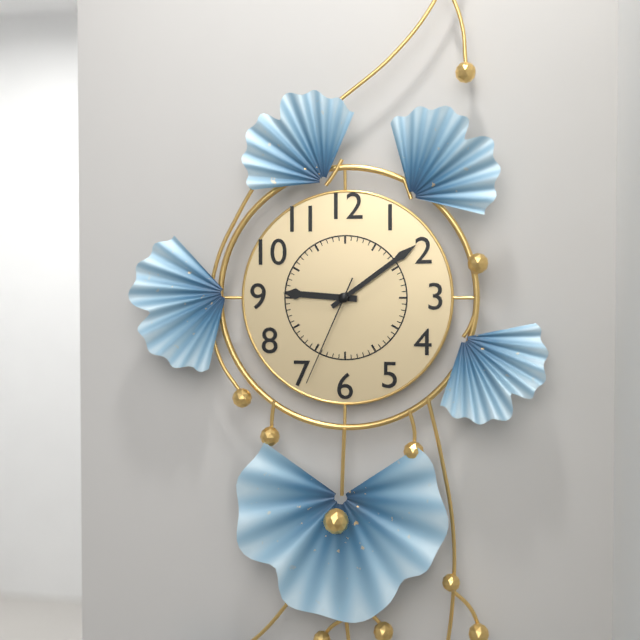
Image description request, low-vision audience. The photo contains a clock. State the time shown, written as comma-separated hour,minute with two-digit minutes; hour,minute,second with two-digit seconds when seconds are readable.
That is 9,09,34
